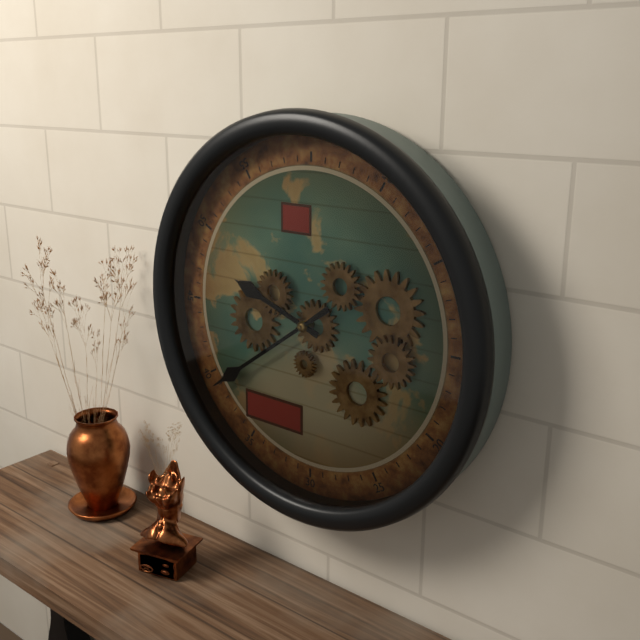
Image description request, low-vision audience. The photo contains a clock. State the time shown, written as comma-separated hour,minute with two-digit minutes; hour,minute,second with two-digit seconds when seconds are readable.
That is 9,39
